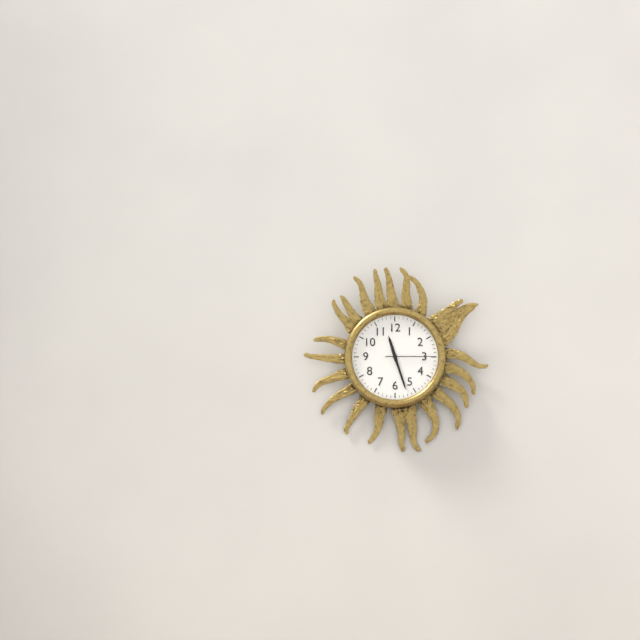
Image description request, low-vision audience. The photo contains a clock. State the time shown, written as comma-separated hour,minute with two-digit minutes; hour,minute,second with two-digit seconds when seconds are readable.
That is 11,27
